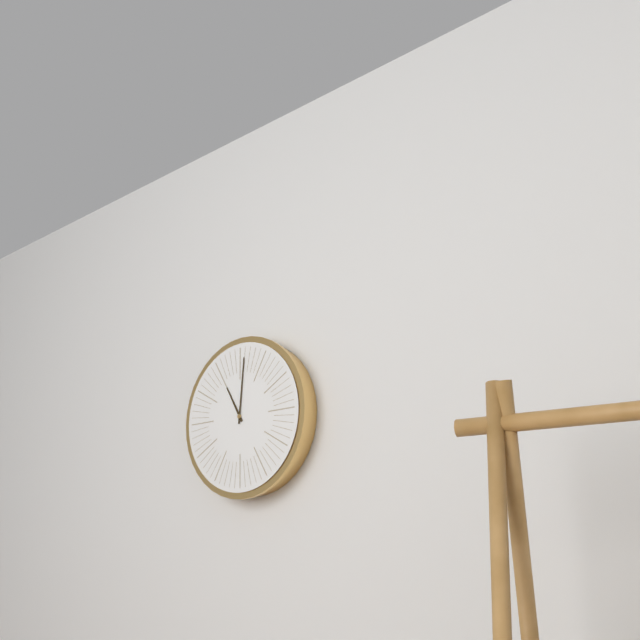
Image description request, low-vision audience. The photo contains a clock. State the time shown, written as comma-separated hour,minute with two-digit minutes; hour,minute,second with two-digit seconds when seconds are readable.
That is 11,01
